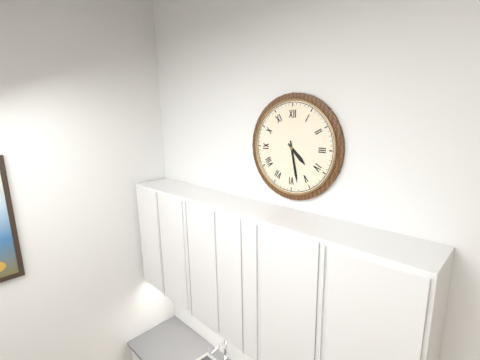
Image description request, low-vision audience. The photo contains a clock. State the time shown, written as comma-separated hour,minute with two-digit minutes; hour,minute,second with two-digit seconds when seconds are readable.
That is 4,28
